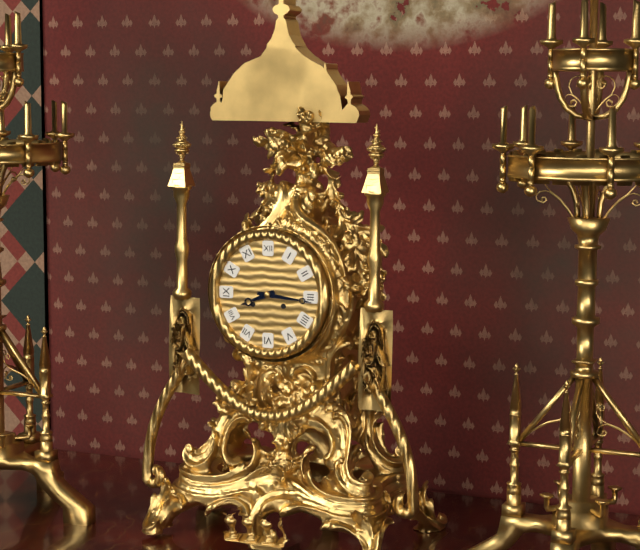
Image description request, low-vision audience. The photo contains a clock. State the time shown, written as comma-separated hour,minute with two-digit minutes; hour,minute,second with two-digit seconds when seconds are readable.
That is 8,16
